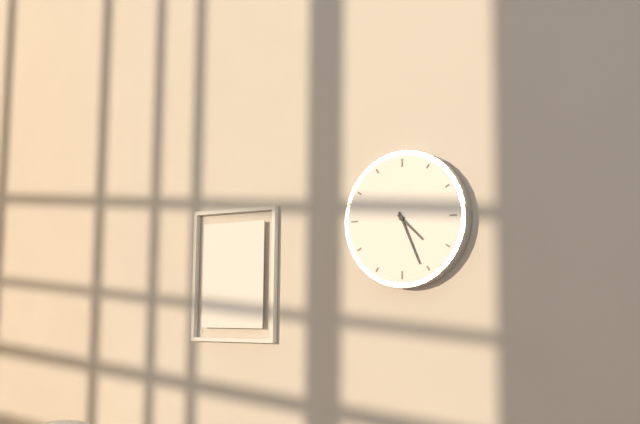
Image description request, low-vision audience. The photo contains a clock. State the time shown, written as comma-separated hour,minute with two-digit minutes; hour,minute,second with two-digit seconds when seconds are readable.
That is 4,26
